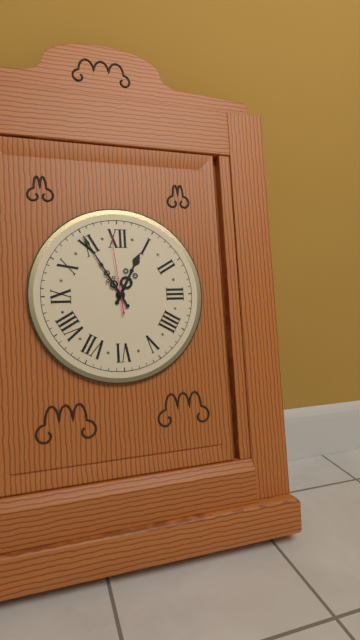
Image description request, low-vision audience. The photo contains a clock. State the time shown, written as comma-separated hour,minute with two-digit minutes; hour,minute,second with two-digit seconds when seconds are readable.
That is 12,55,59
